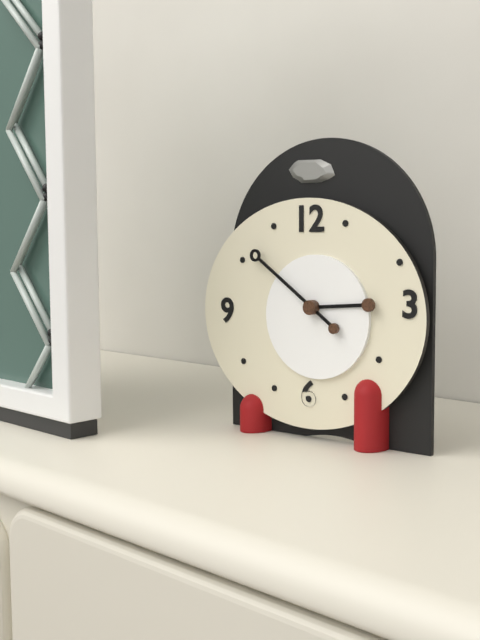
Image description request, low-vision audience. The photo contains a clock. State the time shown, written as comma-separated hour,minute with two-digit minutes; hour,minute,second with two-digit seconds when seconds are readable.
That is 2,51
